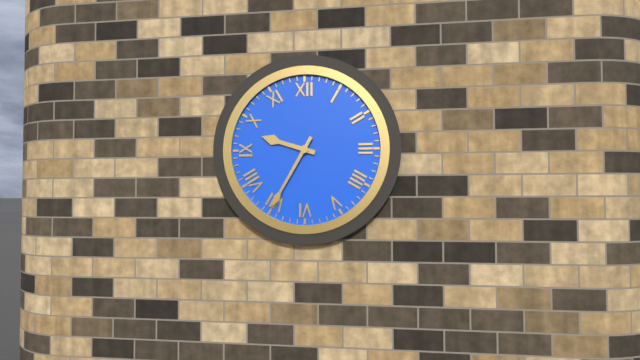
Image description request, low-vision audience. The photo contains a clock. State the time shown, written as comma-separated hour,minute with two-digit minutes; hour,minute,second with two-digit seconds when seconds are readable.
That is 9,35
